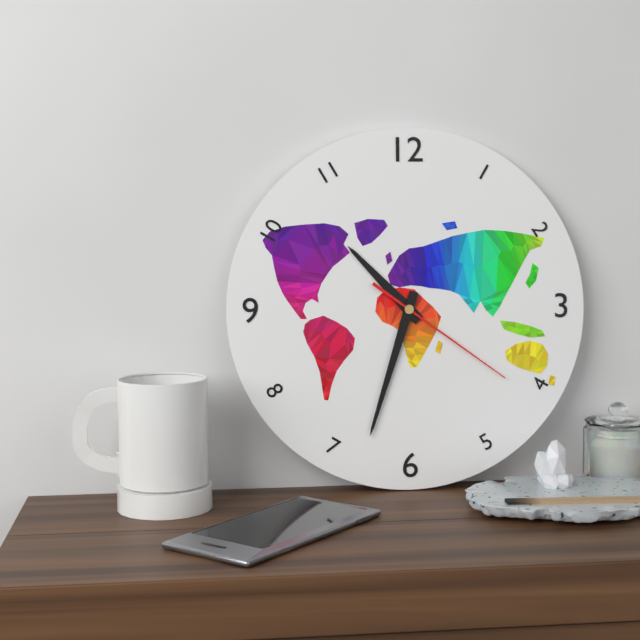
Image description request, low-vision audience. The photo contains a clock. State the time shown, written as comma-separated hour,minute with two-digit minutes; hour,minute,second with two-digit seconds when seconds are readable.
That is 10,33,21
